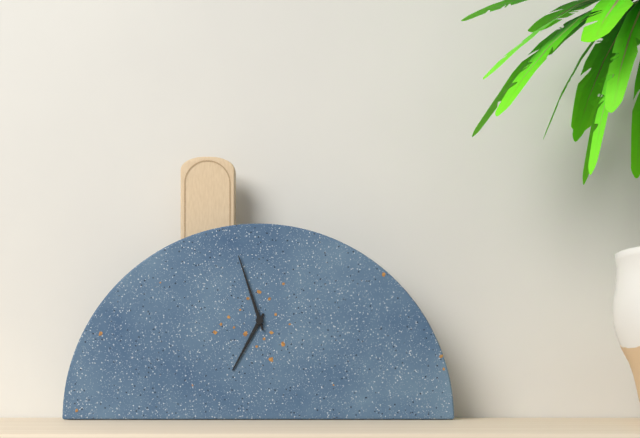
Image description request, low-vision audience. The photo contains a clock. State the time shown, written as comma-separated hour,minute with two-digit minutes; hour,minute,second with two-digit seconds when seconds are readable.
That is 6,57
